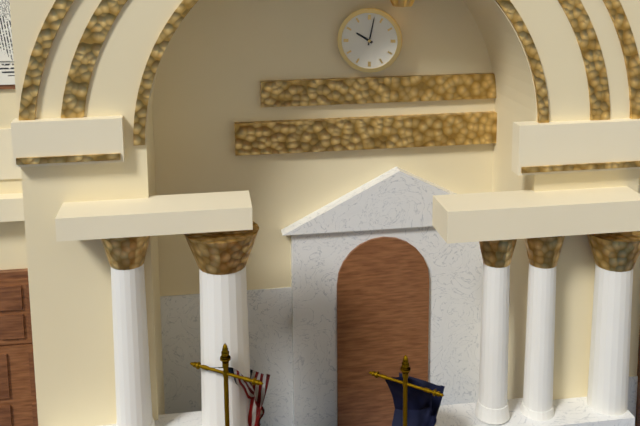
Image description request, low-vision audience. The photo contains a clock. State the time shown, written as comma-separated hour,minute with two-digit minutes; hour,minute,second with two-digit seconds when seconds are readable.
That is 10,02
